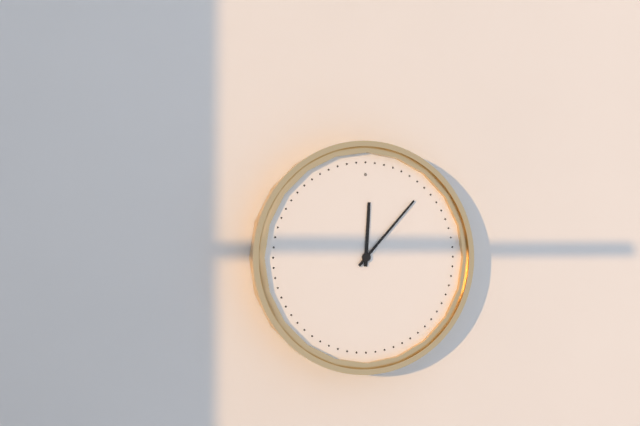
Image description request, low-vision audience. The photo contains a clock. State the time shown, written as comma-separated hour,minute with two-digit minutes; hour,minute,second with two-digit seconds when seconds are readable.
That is 12,07
